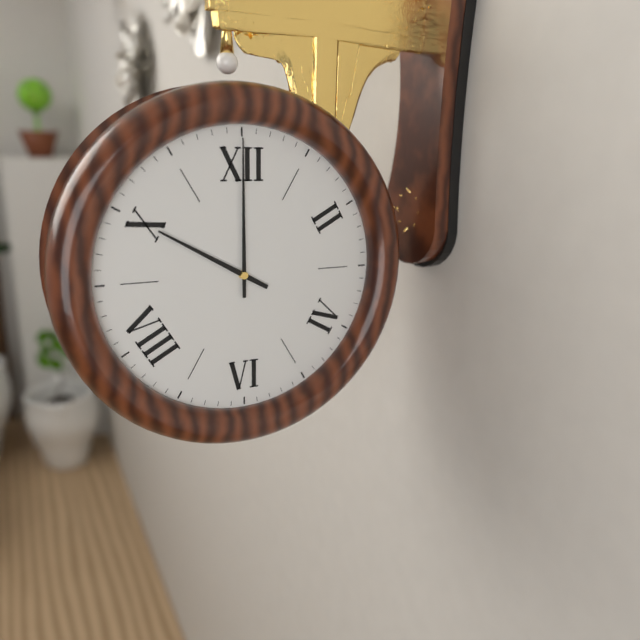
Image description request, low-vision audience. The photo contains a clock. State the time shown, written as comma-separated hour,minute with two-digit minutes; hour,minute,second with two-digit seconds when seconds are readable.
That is 10,00
